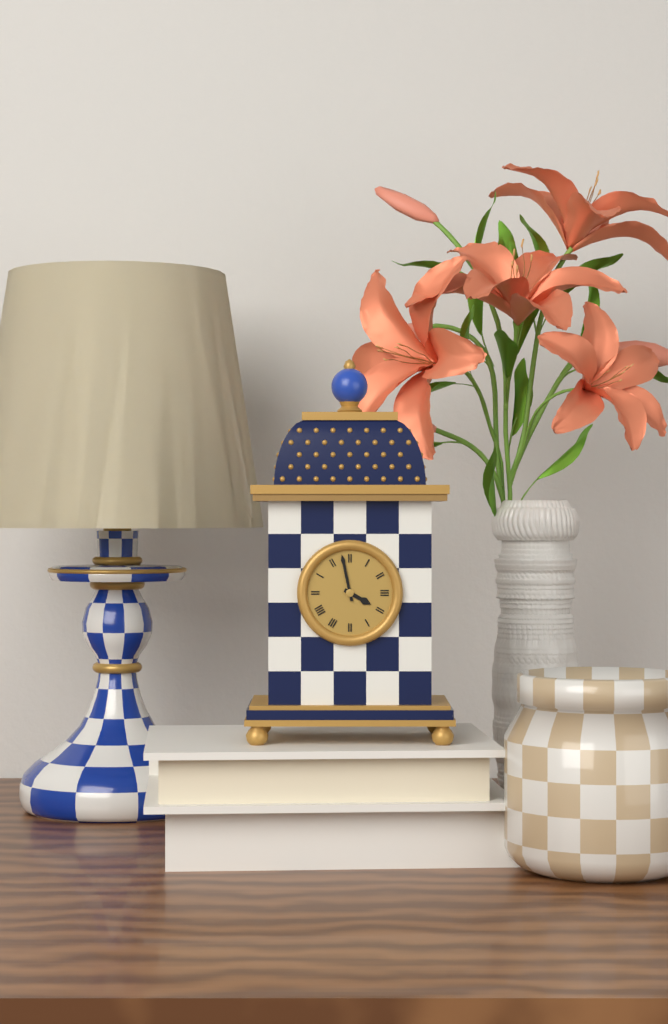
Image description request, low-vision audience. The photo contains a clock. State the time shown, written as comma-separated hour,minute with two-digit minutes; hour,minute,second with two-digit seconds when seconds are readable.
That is 3,58
